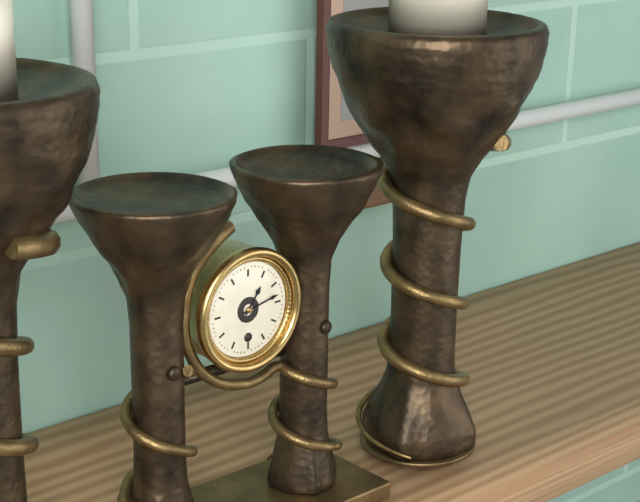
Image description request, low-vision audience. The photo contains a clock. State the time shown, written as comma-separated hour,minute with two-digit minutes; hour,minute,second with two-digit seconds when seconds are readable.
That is 1,13
